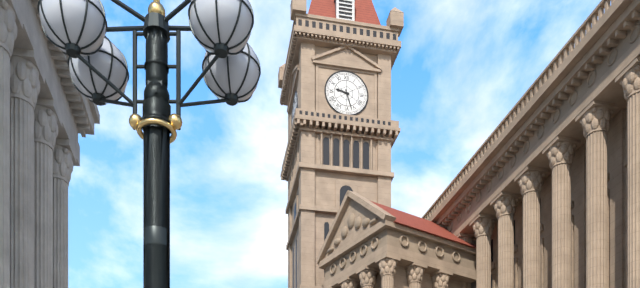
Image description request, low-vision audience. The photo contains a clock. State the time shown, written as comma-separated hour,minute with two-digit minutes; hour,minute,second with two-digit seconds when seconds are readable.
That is 9,27
